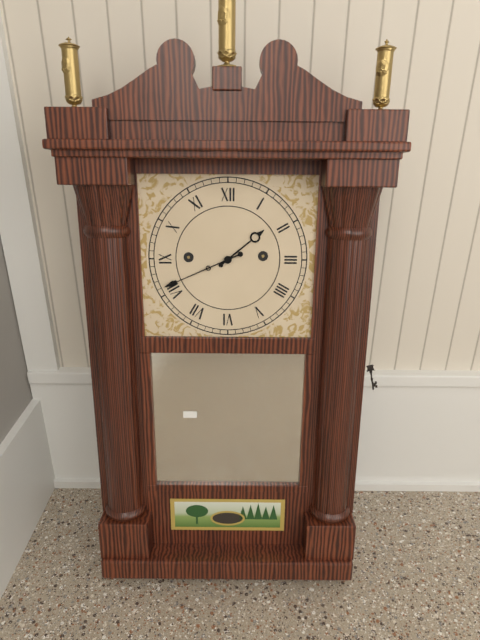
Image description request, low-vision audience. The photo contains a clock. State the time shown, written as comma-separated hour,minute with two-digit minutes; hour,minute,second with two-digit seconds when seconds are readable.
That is 1,41
